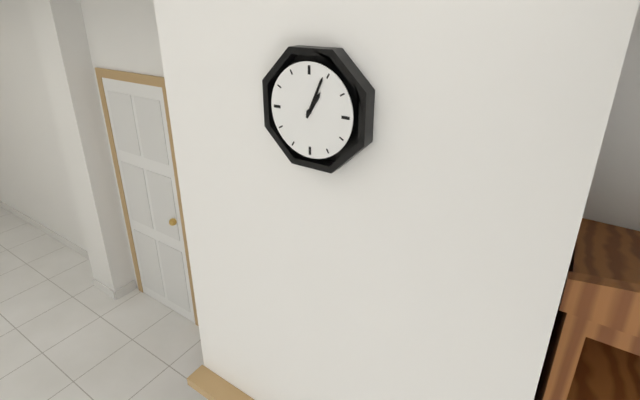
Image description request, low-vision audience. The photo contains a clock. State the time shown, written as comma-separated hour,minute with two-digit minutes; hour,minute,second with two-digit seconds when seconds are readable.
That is 1,04
